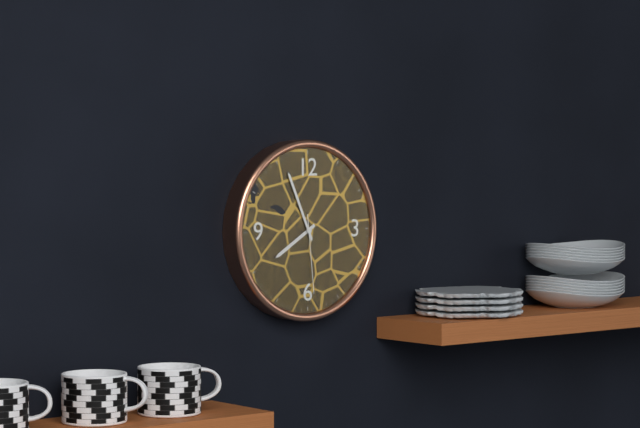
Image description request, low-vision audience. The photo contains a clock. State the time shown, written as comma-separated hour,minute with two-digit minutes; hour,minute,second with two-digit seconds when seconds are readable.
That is 7,56,29
